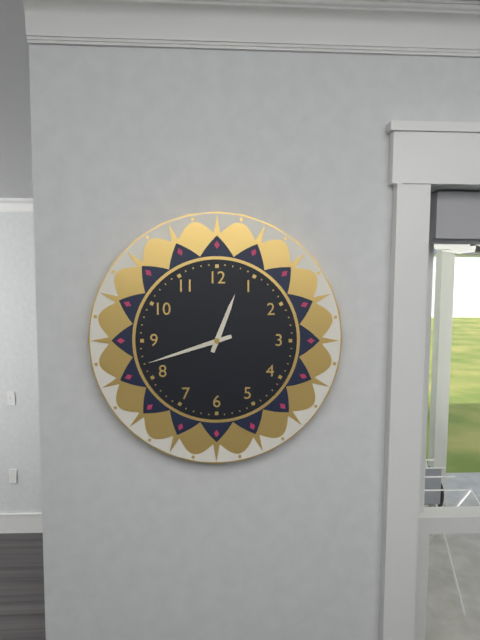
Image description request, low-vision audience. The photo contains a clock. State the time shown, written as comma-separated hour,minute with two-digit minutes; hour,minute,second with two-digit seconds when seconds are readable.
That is 12,42
